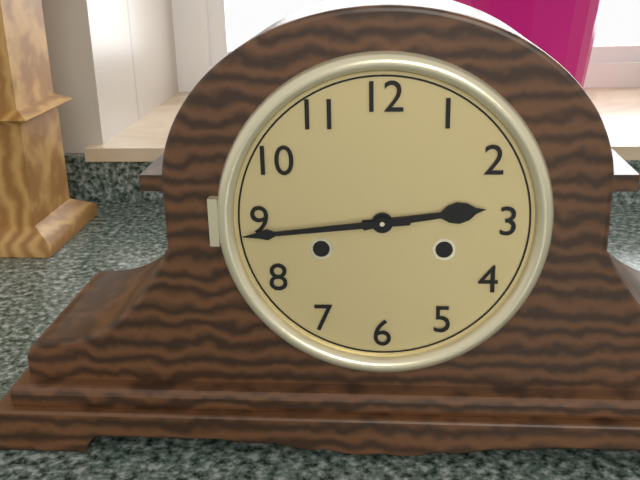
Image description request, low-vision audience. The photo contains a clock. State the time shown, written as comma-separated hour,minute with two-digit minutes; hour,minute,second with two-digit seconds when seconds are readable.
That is 2,44
